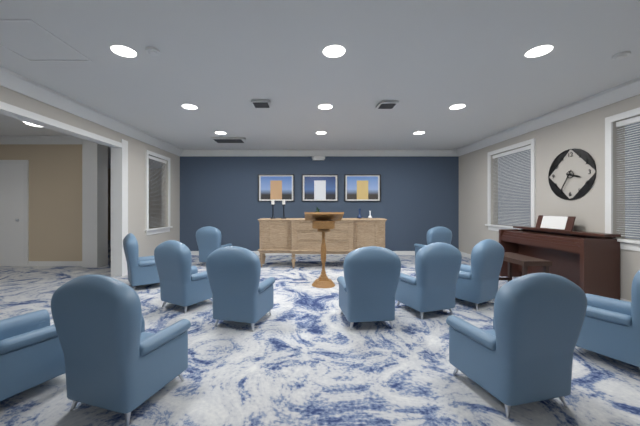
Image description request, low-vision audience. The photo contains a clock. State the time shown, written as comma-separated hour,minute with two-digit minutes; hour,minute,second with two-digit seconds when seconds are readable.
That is 3,35
